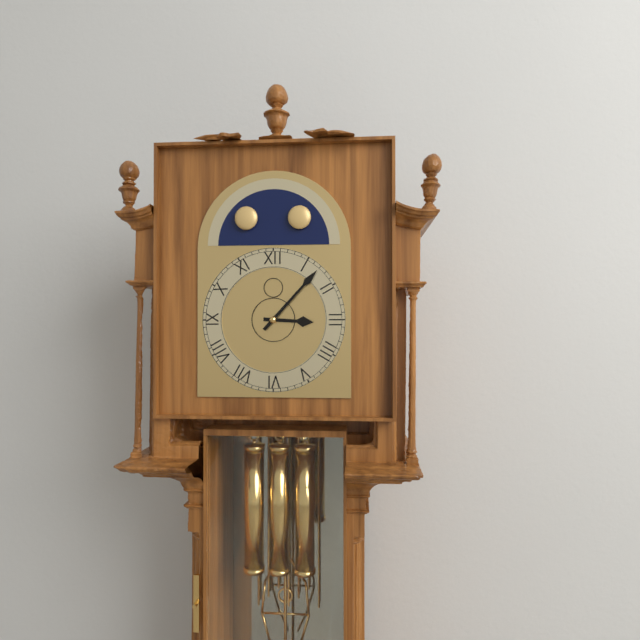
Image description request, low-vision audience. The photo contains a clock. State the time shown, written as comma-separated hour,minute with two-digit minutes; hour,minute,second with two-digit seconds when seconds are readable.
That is 3,07
